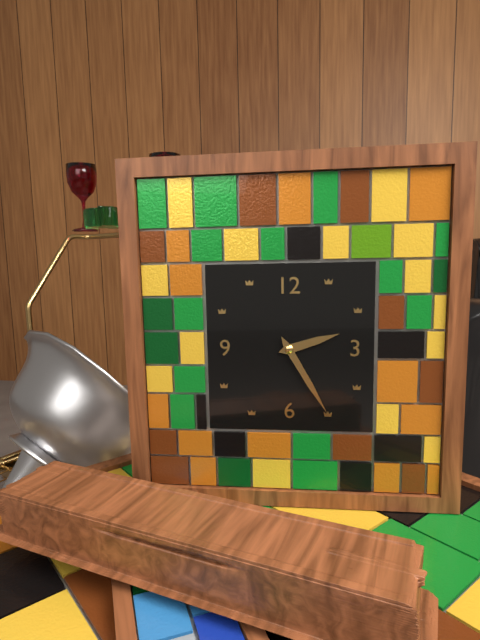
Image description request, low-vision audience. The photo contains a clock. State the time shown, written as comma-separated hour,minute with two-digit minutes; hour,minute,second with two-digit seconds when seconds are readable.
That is 2,25
